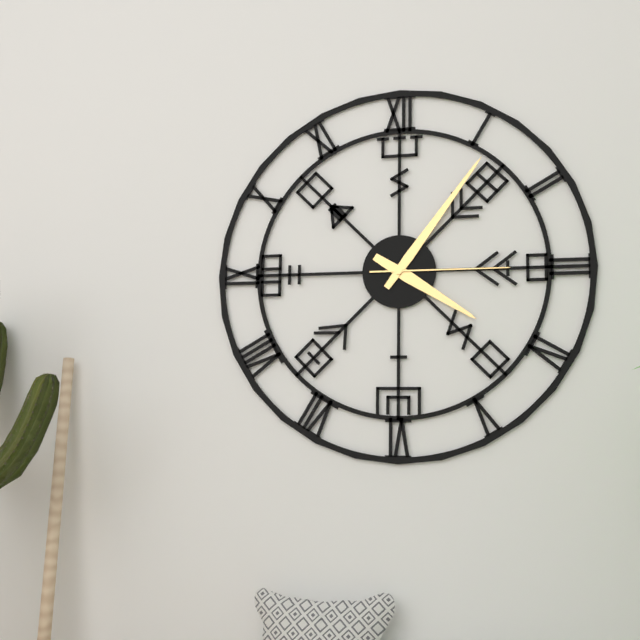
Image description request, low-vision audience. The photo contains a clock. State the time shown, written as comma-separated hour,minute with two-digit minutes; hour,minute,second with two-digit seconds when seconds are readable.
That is 4,06,15
